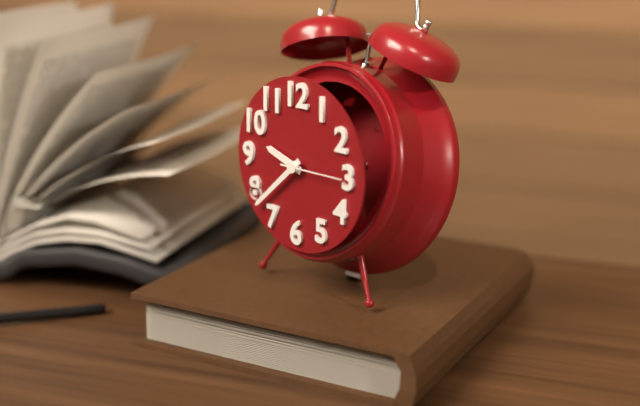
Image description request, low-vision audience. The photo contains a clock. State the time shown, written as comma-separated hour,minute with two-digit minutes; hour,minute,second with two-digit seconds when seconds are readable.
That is 9,38,15
